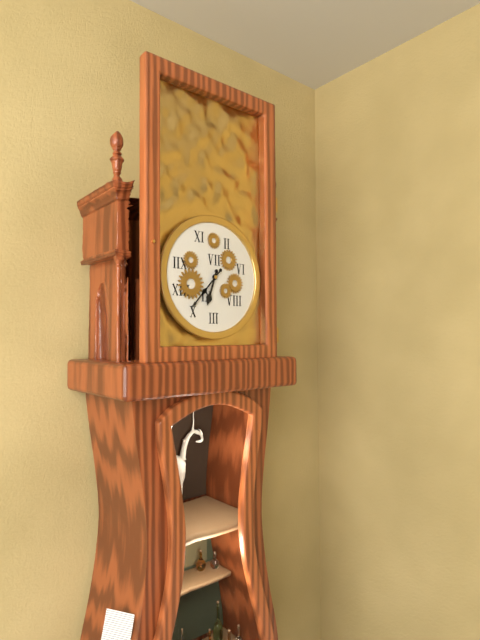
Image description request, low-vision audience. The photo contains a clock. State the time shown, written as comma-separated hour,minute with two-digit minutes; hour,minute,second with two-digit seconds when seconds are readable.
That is 6,37
